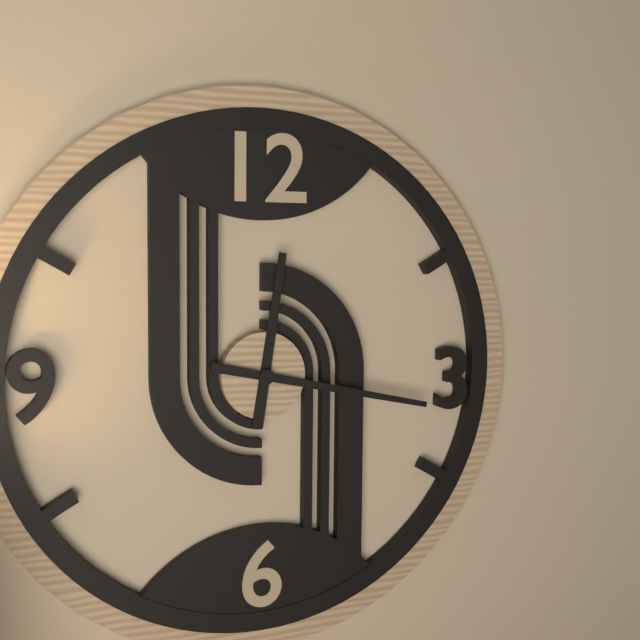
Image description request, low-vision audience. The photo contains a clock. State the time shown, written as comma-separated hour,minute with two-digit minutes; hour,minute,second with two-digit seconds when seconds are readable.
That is 12,17
